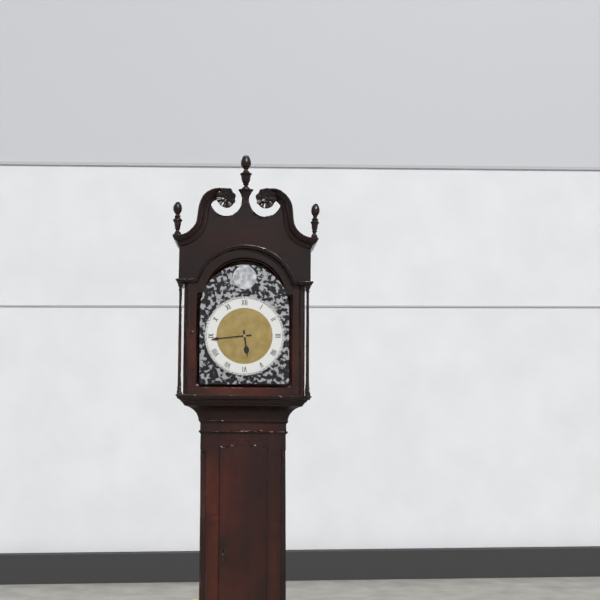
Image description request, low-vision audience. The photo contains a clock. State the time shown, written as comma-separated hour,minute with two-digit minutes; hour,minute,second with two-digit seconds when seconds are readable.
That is 5,44
